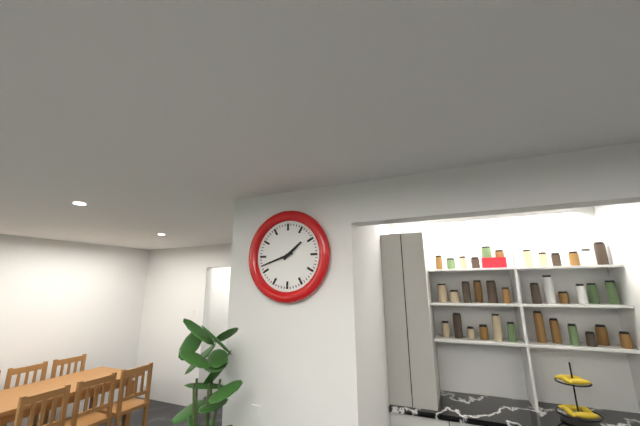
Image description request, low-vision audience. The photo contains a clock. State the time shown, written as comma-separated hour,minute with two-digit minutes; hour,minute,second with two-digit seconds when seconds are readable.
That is 1,42
